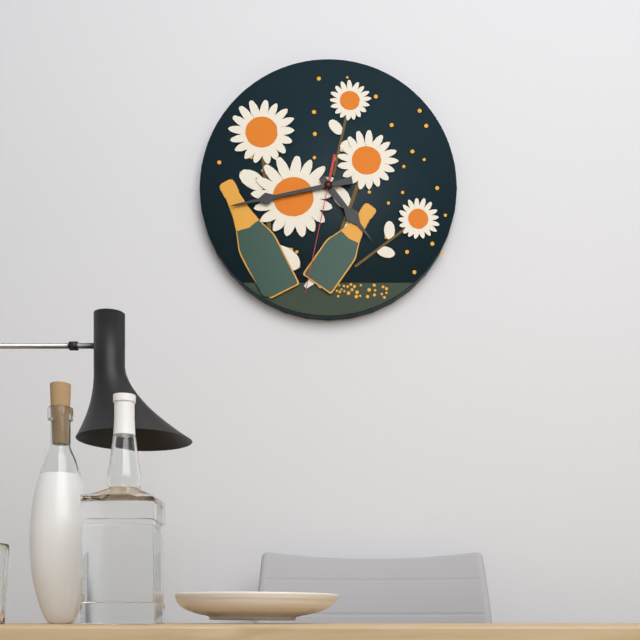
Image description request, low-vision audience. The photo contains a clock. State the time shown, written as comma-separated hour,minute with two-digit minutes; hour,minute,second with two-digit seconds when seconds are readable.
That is 4,43,32
